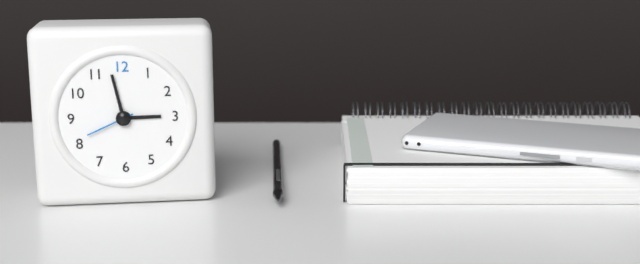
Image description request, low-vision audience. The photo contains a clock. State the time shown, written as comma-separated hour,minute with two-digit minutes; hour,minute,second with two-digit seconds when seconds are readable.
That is 2,58
